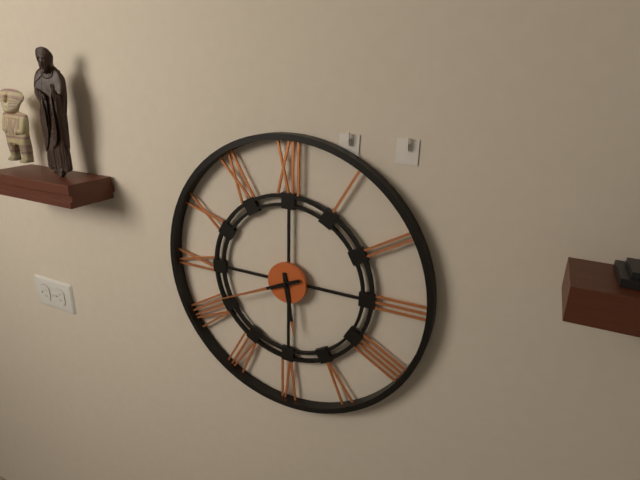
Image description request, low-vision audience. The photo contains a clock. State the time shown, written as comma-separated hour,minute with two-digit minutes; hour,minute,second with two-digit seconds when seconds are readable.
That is 5,41
